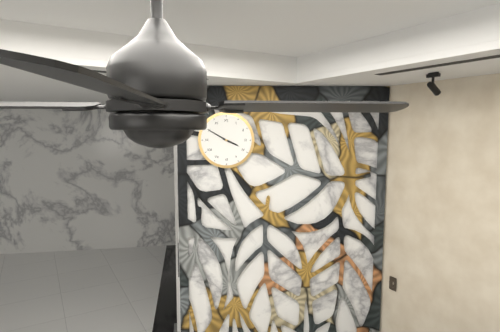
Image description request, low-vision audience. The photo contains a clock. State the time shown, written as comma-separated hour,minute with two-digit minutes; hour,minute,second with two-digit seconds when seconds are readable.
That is 3,50
